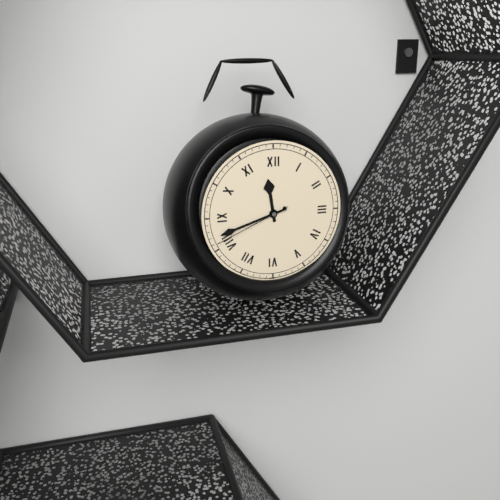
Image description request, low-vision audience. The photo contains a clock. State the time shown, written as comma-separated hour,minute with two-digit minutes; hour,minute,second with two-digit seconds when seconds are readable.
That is 11,42,41
